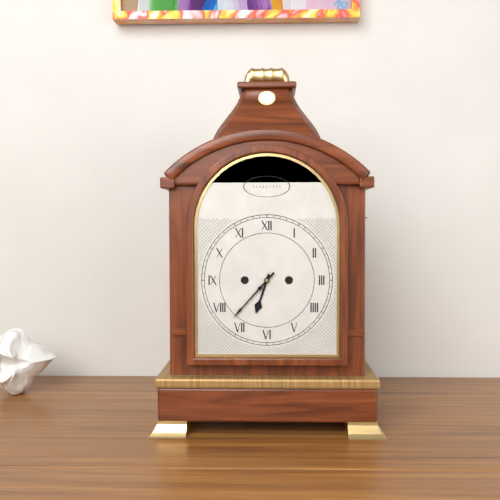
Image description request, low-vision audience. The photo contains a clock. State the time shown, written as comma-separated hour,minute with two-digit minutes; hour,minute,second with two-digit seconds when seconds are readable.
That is 6,37
